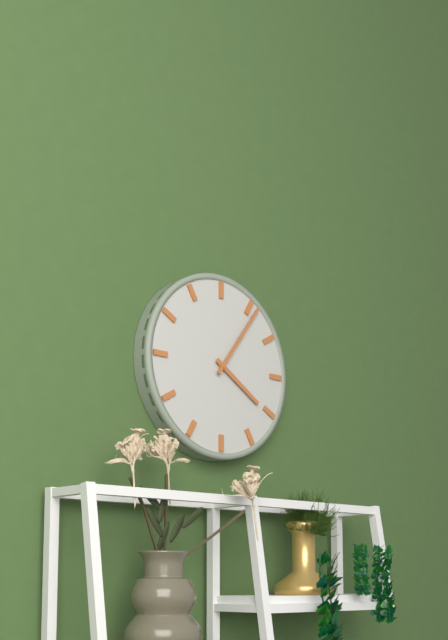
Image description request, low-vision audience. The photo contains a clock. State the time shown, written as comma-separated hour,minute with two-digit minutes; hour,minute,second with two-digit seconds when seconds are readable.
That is 4,06
